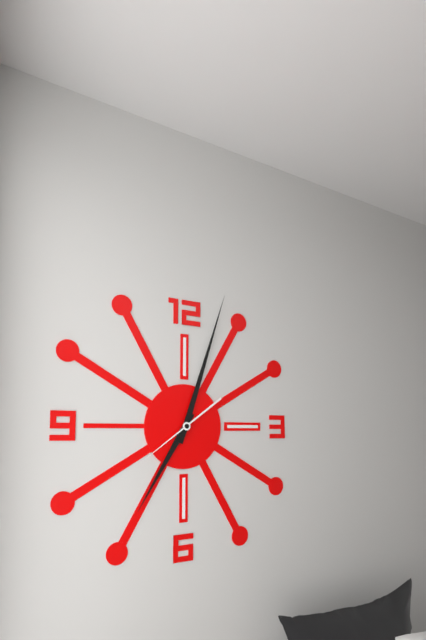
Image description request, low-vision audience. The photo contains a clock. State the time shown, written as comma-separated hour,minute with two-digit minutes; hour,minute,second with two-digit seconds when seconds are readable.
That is 7,03,39
